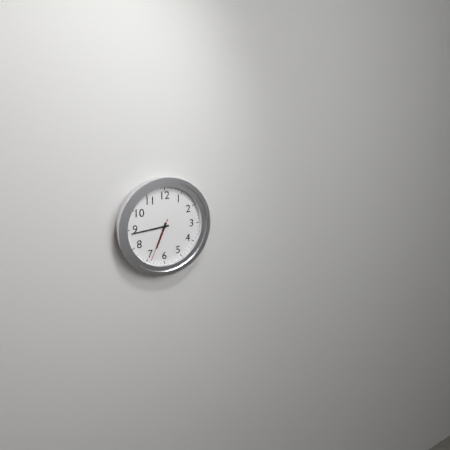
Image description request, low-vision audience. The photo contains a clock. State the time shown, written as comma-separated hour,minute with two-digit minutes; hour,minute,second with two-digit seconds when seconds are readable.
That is 6,44
